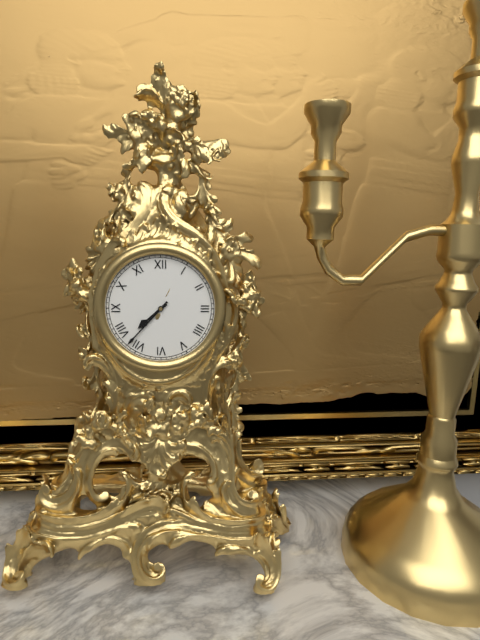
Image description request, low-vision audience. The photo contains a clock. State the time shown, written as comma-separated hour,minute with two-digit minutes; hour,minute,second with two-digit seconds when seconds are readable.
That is 7,37
